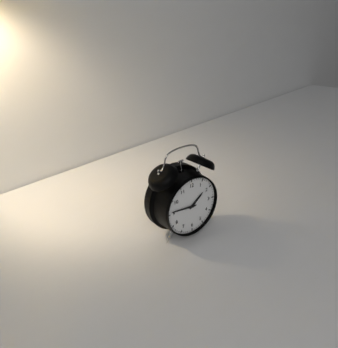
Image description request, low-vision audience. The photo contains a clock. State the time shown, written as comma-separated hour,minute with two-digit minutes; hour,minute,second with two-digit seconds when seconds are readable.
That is 1,46
